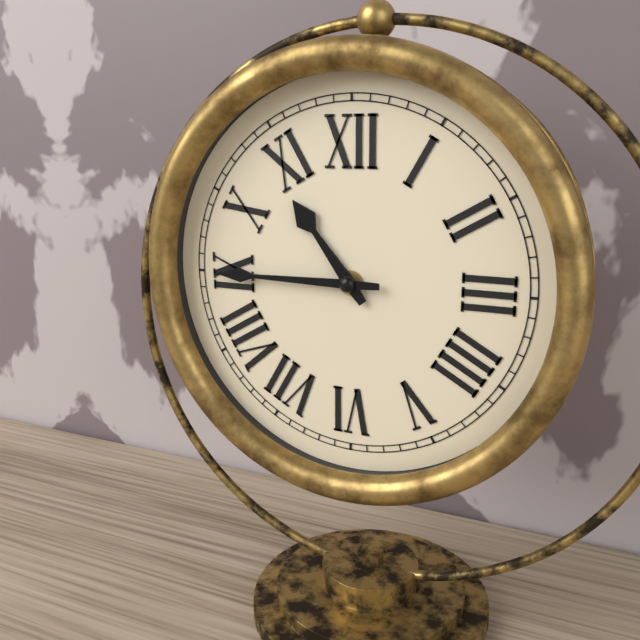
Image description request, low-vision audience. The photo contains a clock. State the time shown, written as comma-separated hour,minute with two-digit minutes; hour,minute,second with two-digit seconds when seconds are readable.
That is 10,45
